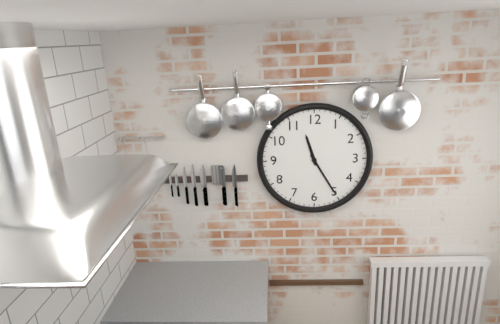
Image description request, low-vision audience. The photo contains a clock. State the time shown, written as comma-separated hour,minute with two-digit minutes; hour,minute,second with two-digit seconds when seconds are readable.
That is 11,25
